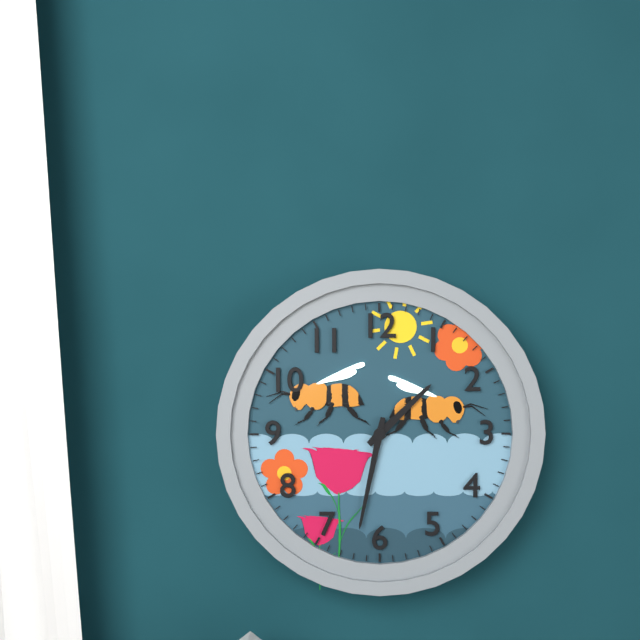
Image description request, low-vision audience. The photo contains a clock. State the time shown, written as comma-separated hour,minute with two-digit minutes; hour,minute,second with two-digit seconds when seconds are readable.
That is 1,32
